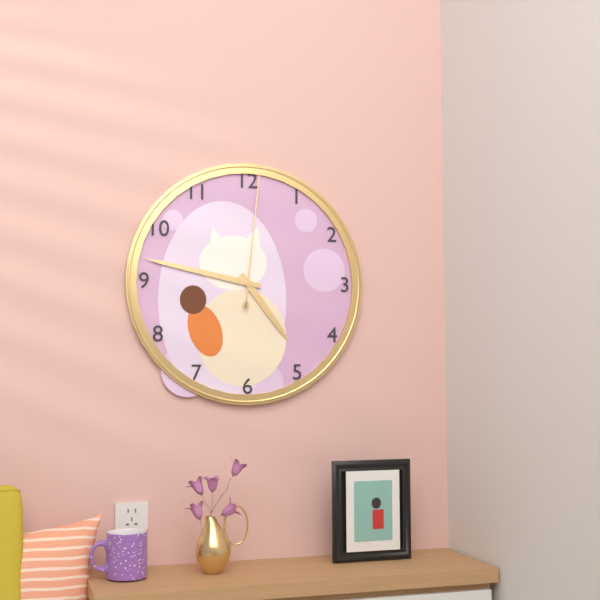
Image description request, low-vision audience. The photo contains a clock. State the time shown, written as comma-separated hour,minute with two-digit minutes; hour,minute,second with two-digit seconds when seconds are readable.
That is 4,47,01
